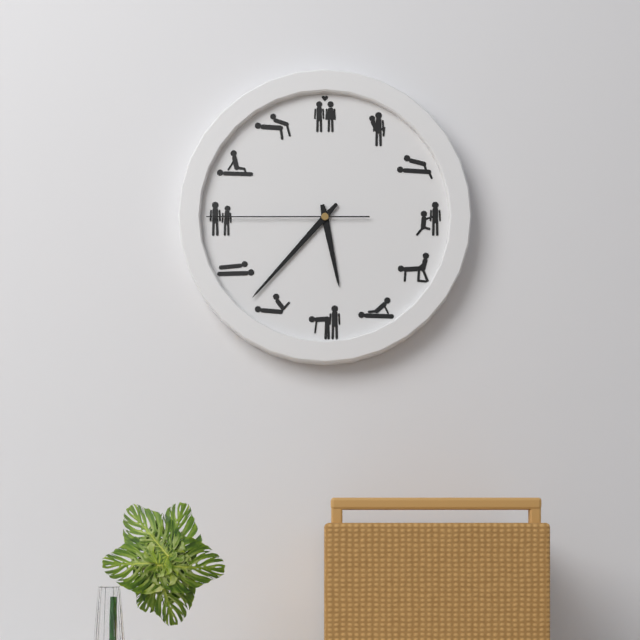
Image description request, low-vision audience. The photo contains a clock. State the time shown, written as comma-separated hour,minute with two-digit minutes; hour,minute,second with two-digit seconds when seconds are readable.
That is 5,37,45
